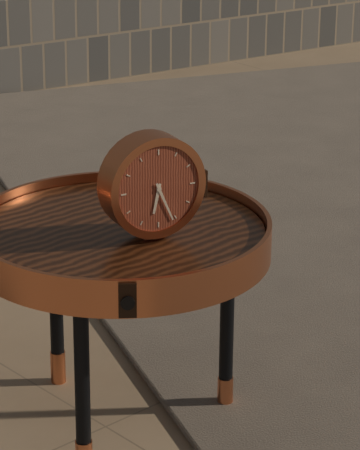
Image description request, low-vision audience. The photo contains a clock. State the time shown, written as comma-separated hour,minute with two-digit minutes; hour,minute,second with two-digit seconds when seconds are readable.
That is 6,26
